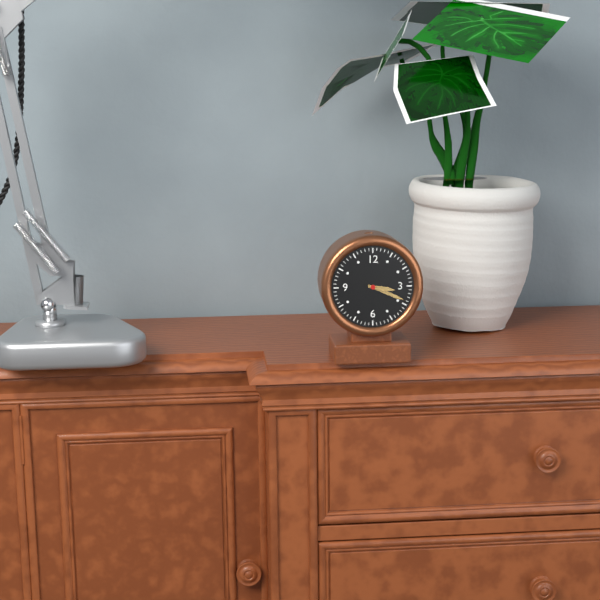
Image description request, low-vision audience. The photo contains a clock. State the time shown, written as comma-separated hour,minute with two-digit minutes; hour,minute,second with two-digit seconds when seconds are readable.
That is 3,19
